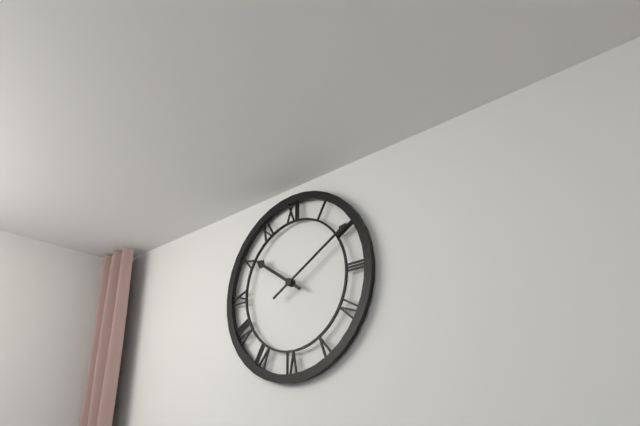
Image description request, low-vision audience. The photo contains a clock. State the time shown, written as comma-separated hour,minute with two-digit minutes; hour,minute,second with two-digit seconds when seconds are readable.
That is 10,10
